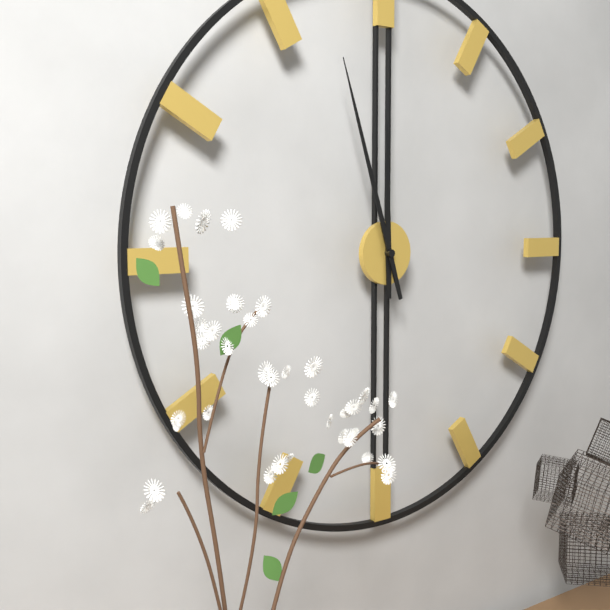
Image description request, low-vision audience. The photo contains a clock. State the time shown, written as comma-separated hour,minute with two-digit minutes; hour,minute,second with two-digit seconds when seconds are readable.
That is 11,57
